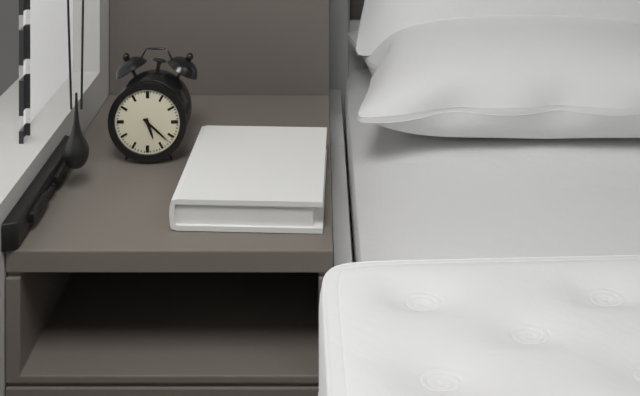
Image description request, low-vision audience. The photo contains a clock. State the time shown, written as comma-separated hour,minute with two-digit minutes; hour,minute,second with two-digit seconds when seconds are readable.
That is 5,22
